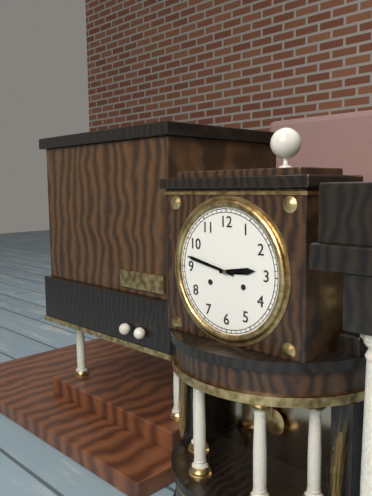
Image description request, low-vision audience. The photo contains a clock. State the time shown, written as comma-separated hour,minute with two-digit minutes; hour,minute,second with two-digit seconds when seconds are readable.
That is 2,47
